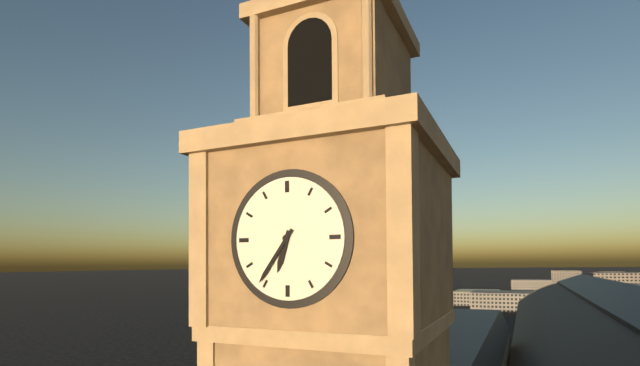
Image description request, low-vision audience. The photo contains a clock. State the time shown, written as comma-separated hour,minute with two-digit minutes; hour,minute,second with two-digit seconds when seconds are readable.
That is 6,36
